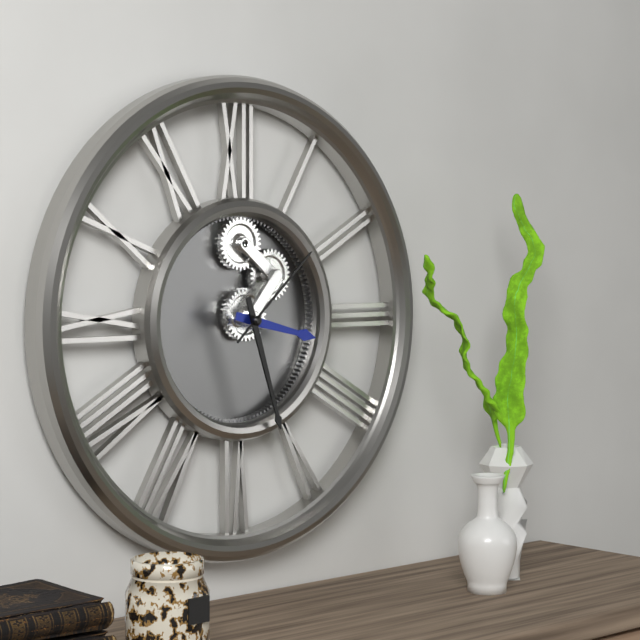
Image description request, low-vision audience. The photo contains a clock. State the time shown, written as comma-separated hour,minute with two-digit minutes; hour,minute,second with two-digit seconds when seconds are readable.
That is 3,27,08
